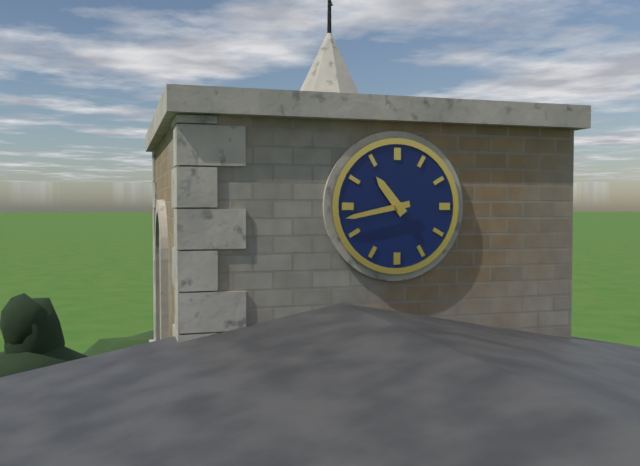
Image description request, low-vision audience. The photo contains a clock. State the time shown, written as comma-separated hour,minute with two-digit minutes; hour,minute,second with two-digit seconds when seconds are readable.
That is 10,43
